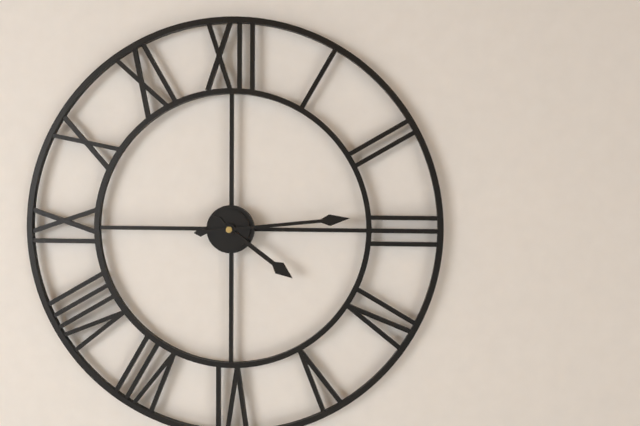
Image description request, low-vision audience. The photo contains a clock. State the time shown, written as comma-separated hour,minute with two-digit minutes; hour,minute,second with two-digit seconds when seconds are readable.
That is 4,14
